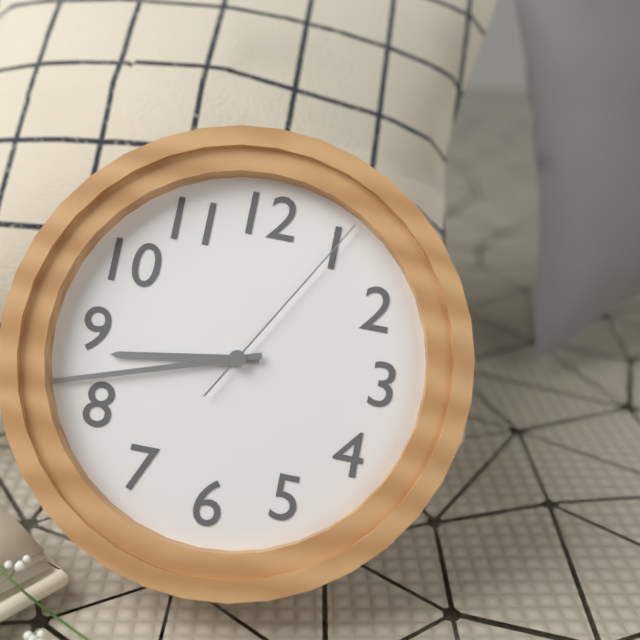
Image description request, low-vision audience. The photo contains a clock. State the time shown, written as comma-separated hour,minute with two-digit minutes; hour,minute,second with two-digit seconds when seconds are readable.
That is 8,42,05
